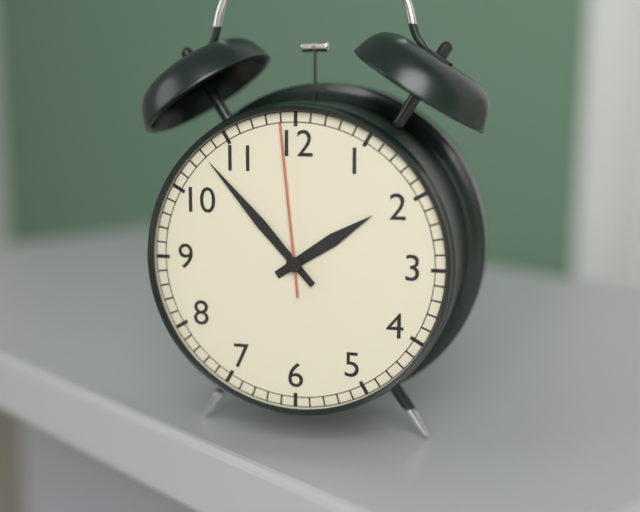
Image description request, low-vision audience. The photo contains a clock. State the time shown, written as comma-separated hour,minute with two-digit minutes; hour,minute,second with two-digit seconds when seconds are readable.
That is 1,53,59
